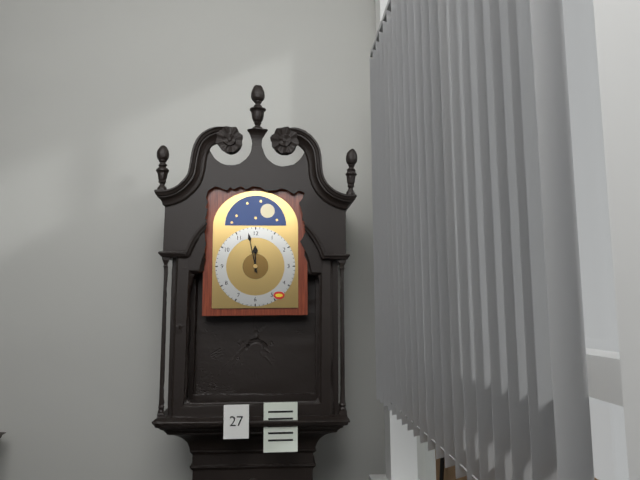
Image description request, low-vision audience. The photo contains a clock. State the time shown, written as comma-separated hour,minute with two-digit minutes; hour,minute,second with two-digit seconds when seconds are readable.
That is 11,58
